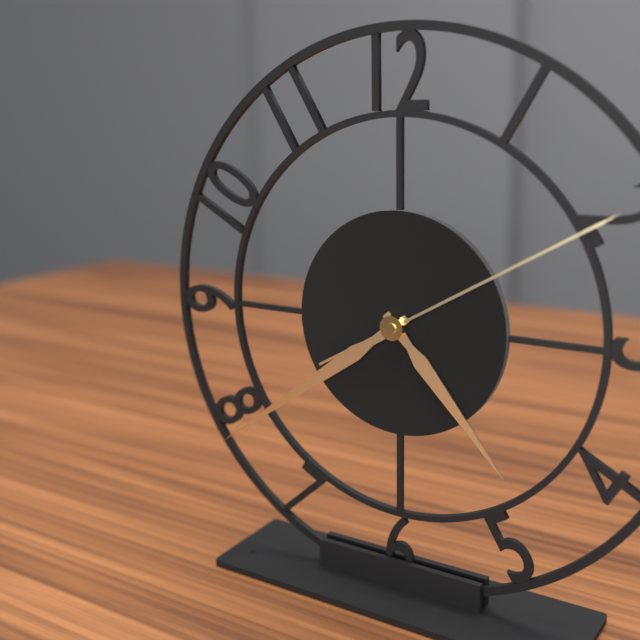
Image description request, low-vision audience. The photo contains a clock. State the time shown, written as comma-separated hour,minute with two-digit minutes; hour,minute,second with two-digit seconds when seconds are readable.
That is 4,39,10
